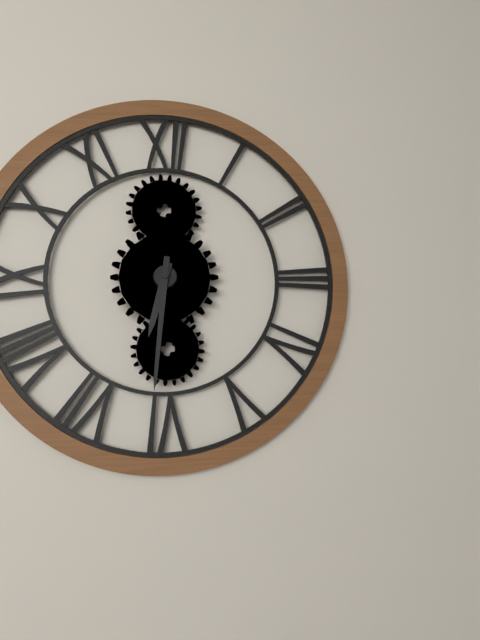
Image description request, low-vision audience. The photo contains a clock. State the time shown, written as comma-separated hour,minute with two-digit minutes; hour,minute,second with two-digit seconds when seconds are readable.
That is 6,31
